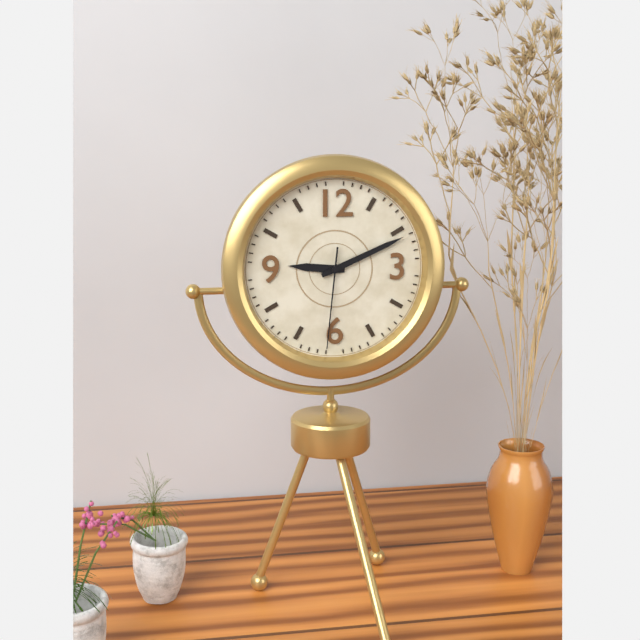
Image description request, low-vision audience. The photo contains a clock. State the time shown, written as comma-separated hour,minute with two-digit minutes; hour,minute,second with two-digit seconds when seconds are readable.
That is 9,11,31
